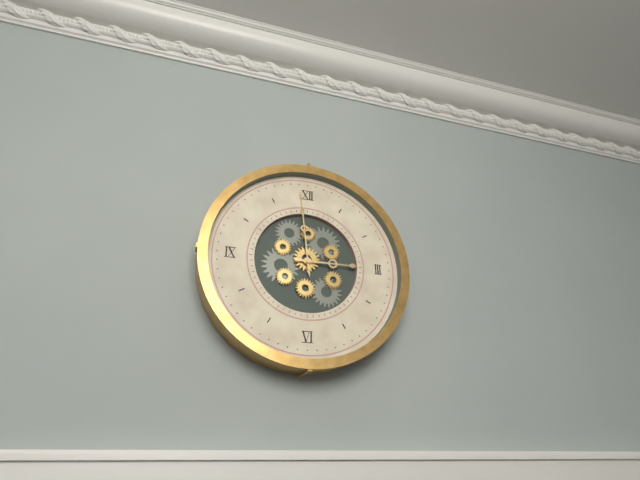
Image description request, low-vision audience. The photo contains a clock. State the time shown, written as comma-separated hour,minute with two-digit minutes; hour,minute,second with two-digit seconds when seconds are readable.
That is 2,59
